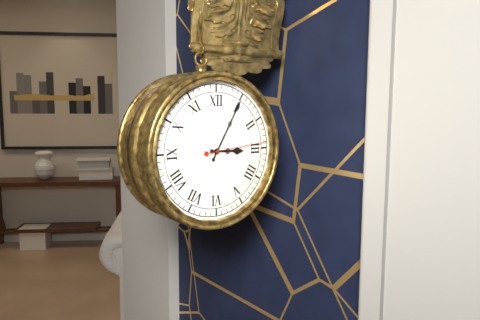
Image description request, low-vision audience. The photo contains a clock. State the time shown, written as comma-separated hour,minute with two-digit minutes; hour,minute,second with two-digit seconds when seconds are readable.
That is 3,05,14
